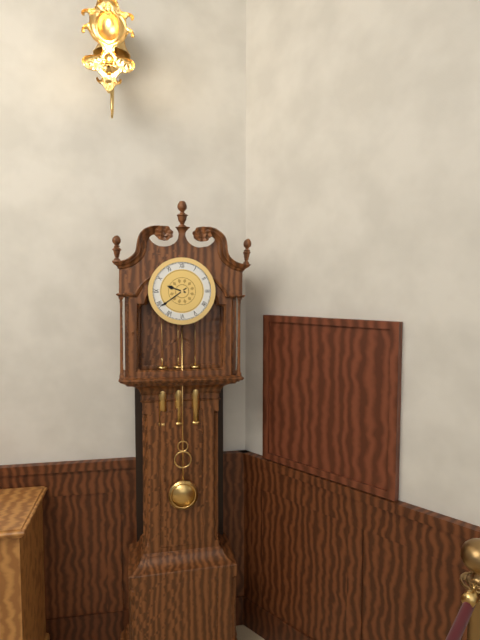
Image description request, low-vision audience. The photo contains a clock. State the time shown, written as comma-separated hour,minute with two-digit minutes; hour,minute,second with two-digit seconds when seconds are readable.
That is 9,39
